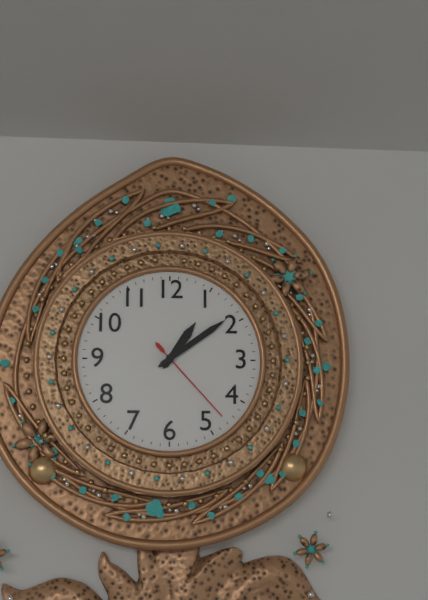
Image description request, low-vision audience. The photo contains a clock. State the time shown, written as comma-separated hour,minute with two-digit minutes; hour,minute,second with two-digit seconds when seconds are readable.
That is 1,09,23
